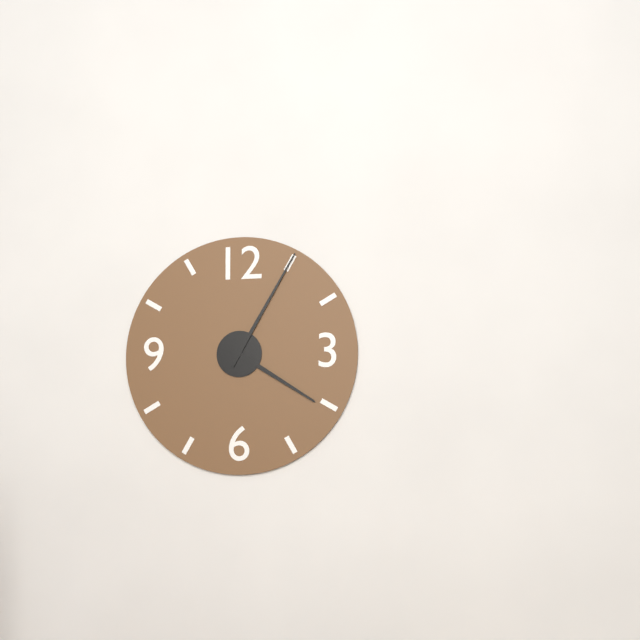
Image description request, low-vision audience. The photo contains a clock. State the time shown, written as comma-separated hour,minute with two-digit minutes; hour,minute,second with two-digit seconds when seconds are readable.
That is 4,05
